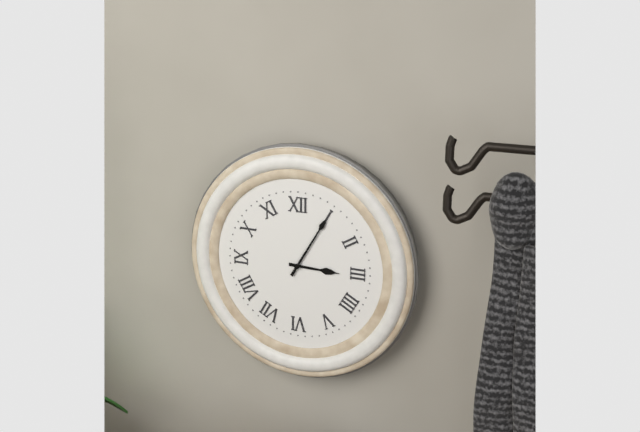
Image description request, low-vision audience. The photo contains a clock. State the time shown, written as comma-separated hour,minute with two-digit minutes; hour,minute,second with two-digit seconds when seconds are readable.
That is 3,05
